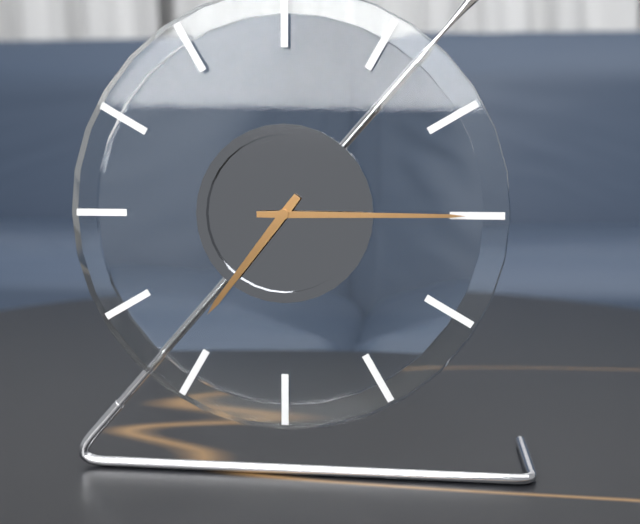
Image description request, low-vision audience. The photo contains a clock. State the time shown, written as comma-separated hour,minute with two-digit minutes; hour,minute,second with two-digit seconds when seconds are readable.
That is 7,15
